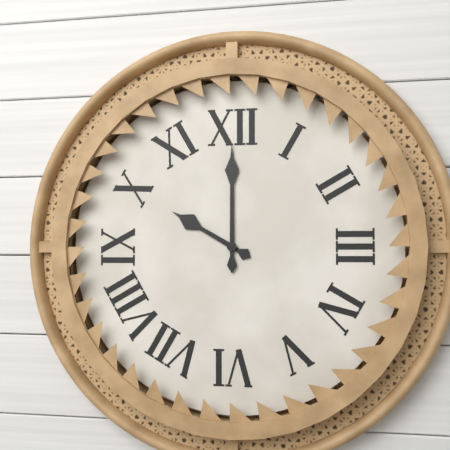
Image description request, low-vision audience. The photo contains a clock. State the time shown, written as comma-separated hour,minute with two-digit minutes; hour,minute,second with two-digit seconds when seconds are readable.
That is 10,00
